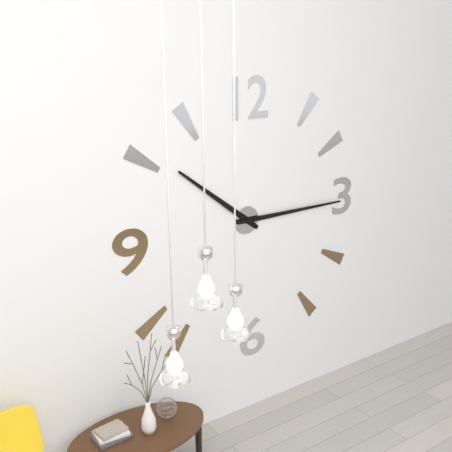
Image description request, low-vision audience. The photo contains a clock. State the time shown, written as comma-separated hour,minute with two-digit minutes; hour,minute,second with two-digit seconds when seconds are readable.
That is 10,15
